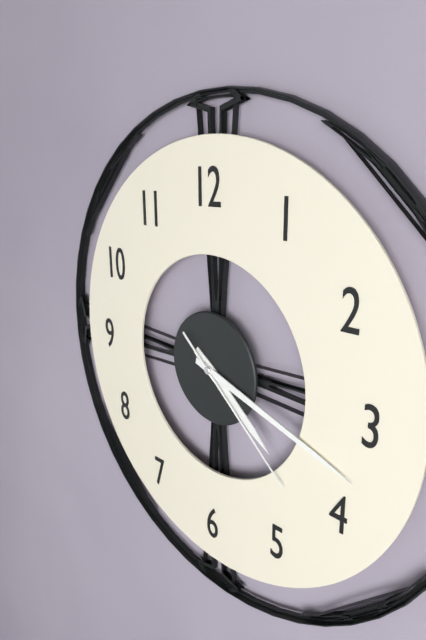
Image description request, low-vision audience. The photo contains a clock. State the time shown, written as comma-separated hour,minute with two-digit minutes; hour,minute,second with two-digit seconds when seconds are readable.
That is 4,18,22
